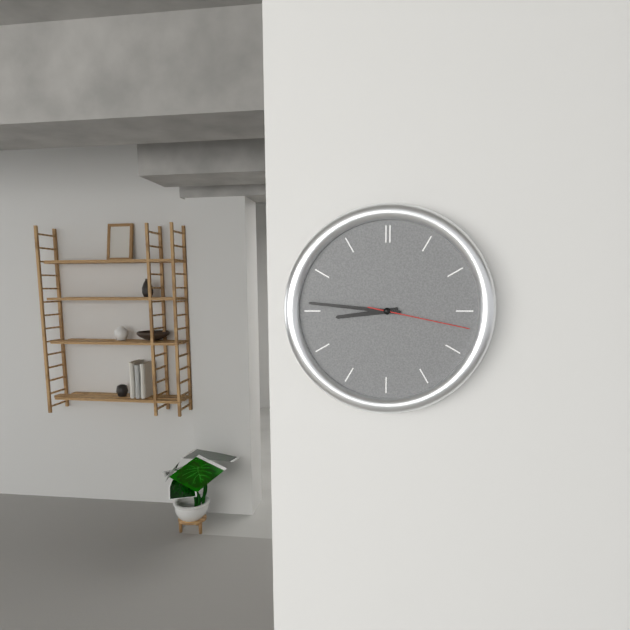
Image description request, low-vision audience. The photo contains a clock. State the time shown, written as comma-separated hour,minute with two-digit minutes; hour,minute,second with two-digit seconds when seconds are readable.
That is 8,46,17
